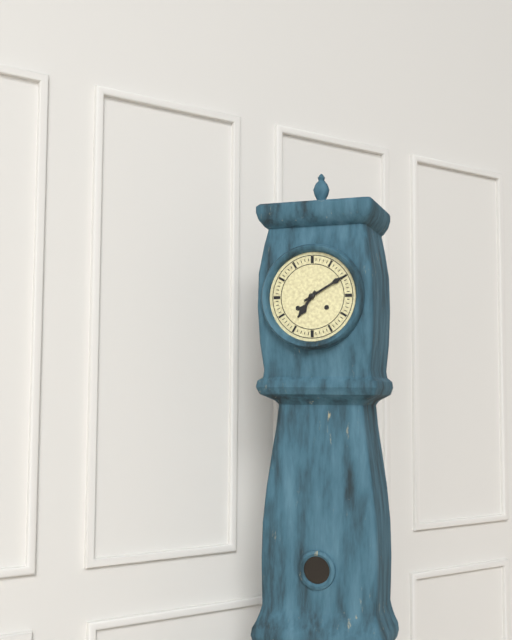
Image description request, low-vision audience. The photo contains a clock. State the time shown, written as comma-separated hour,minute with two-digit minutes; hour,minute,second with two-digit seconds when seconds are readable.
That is 7,10
